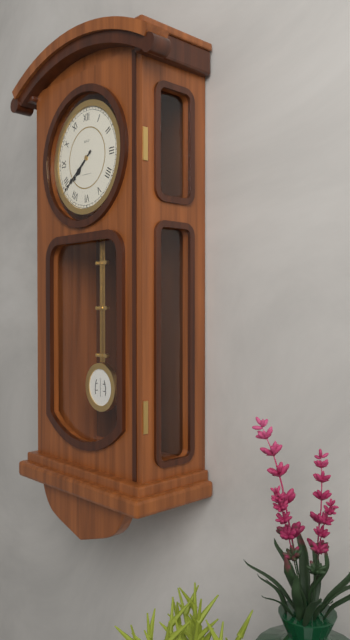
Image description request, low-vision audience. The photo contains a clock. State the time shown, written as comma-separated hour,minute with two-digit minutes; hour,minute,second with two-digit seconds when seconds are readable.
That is 7,39
